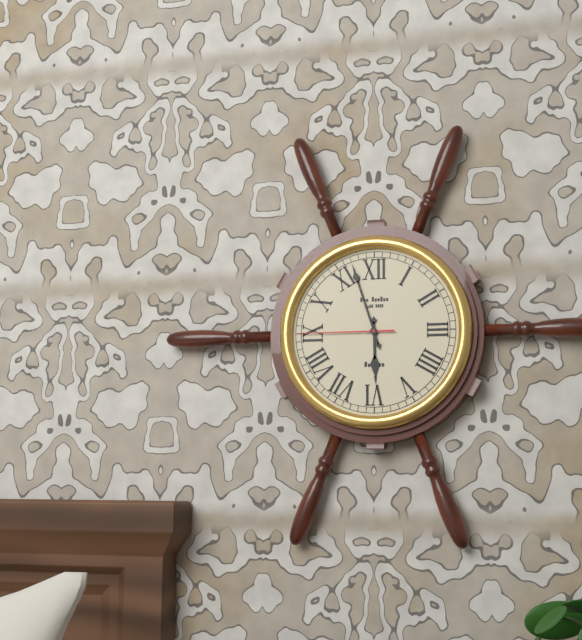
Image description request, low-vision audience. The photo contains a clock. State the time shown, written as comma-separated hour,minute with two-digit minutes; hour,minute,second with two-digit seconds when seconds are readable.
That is 5,57,45
